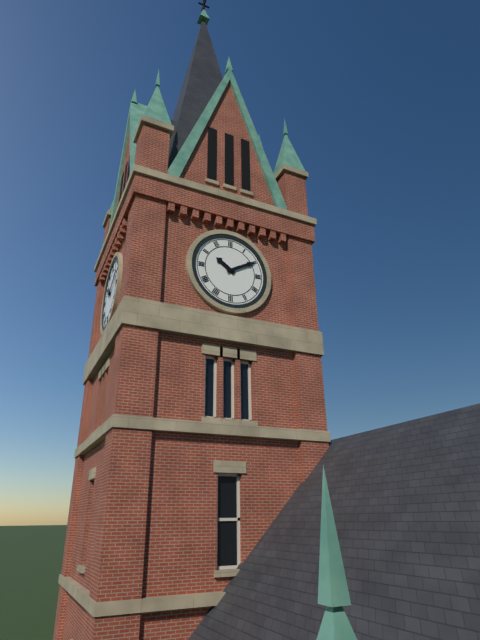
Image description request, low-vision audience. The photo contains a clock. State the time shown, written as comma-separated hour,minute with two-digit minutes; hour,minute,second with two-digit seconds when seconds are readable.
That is 10,10
